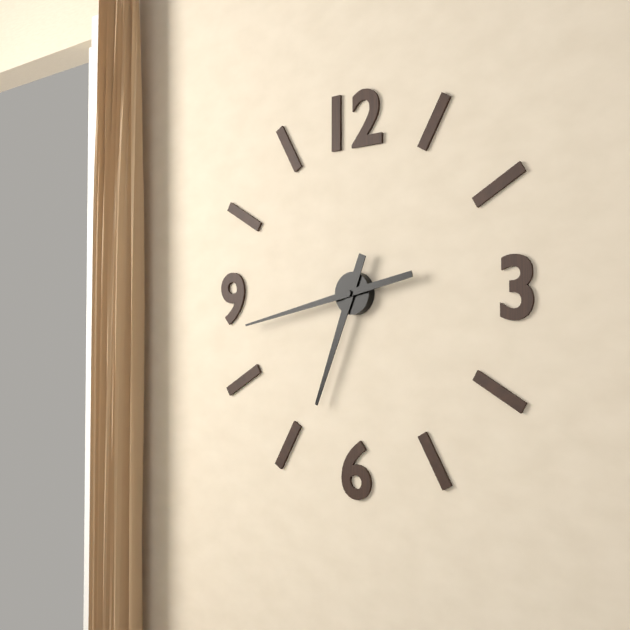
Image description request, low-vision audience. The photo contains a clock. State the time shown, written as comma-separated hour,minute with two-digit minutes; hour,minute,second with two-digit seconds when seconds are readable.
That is 6,43
